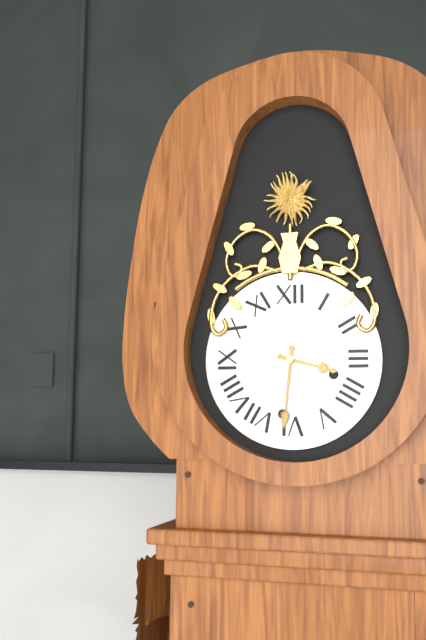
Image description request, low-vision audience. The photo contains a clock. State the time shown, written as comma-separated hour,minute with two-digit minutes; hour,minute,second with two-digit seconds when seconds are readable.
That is 3,31
